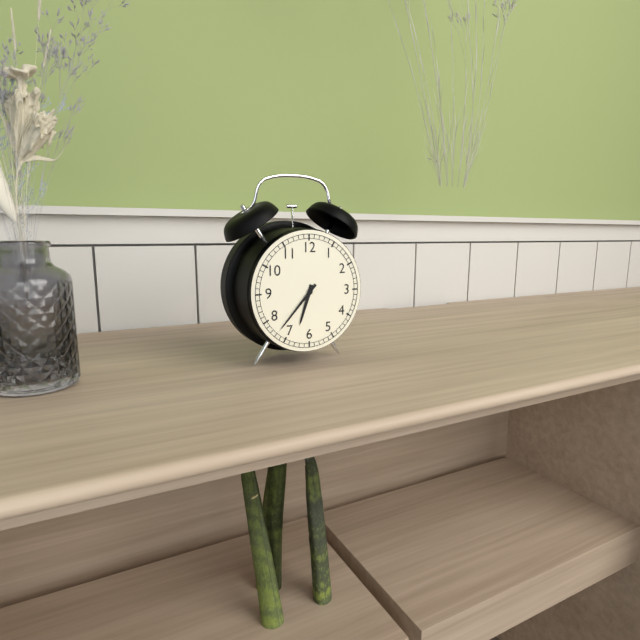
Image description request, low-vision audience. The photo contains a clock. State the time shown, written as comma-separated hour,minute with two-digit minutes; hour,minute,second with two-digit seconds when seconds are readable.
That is 6,37
